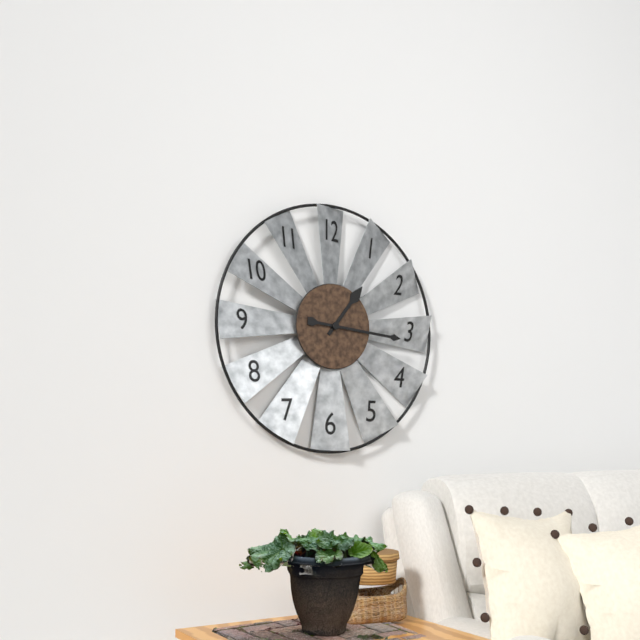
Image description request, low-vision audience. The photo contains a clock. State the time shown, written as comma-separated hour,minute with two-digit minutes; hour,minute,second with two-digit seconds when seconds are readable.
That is 1,16
